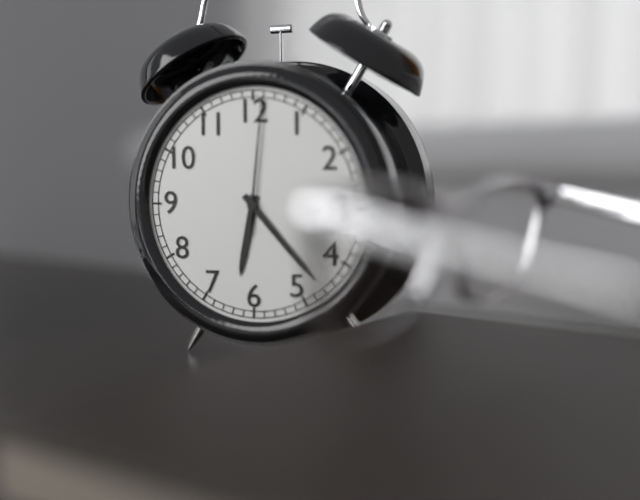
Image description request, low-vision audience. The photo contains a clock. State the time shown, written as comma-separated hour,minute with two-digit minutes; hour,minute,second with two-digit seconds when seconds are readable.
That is 6,23,01
